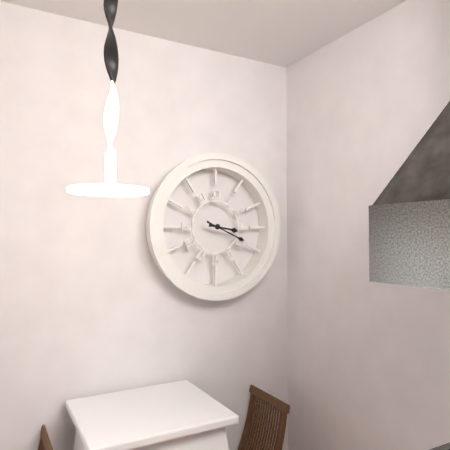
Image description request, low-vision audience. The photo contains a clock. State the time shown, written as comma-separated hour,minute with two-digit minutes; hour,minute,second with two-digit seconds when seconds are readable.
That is 3,19
